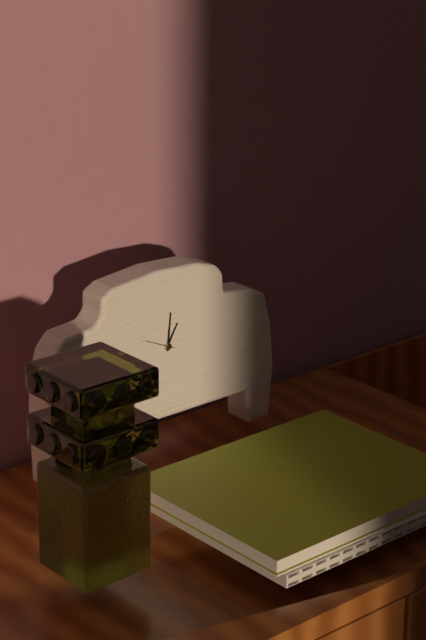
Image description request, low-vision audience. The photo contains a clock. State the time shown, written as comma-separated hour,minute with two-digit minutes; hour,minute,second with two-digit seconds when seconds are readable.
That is 1,01
